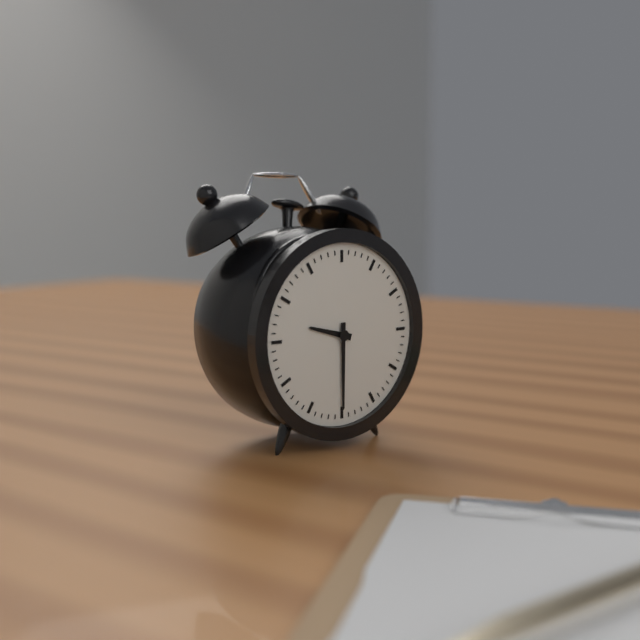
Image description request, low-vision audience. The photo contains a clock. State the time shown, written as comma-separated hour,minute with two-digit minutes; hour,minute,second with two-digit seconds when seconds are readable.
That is 9,30
